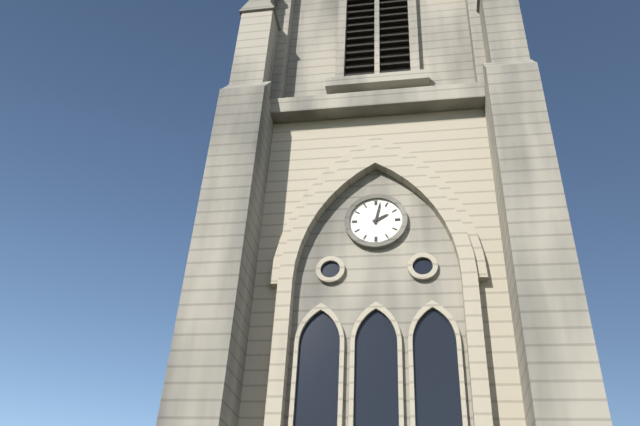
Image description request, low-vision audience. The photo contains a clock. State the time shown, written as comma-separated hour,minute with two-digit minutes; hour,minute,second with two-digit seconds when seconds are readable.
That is 2,02
